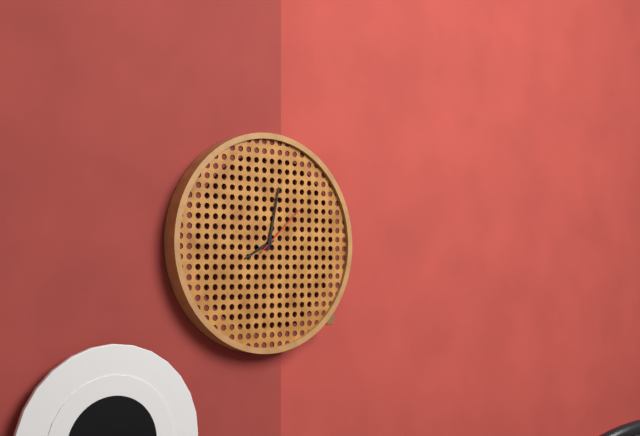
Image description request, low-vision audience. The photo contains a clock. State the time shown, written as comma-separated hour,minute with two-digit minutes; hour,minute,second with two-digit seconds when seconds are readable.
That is 8,02,08
